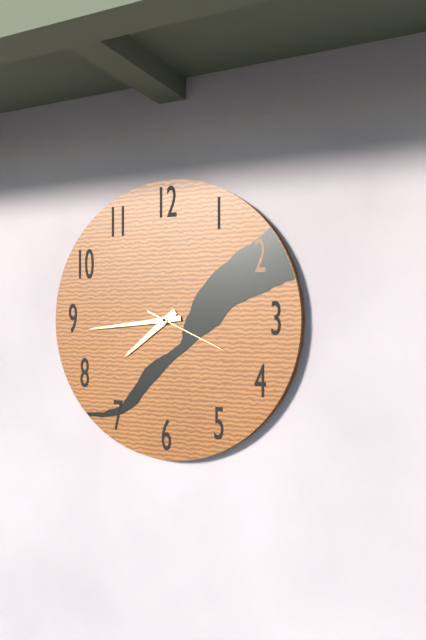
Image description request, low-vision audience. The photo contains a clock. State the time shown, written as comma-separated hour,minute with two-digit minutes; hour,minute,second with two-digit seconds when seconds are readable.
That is 7,44,19
